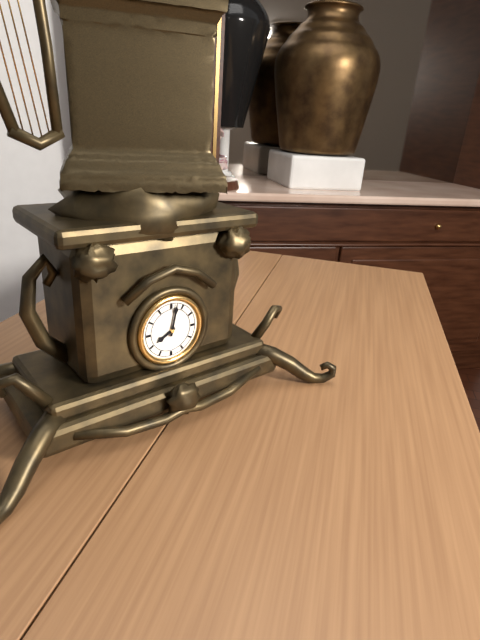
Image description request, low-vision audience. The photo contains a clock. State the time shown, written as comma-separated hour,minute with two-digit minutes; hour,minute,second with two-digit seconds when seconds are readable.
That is 8,02
